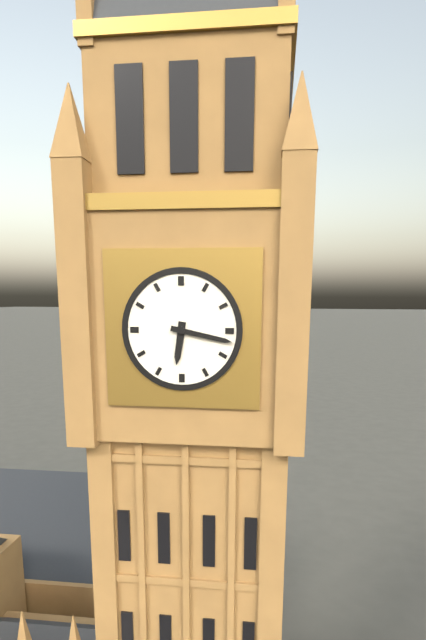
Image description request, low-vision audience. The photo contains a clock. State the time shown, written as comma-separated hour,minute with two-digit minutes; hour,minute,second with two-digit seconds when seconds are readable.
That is 6,17
